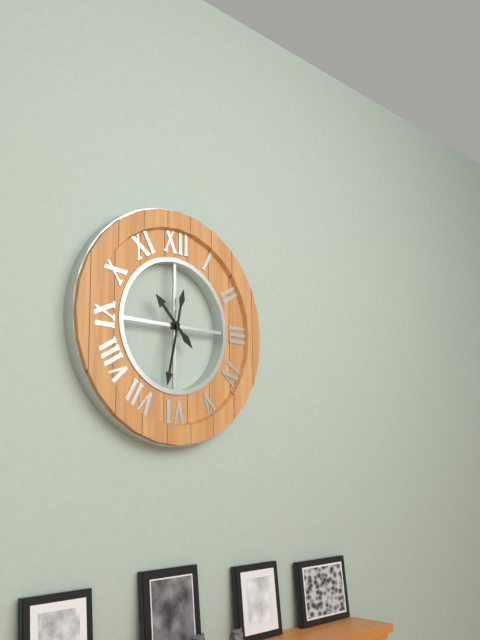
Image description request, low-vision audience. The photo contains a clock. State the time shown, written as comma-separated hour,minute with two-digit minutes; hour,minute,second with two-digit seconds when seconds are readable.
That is 10,32
